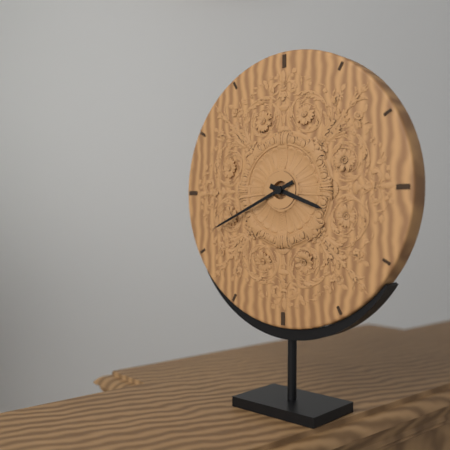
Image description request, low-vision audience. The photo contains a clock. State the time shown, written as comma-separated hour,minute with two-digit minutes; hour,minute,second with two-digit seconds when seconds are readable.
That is 3,41
